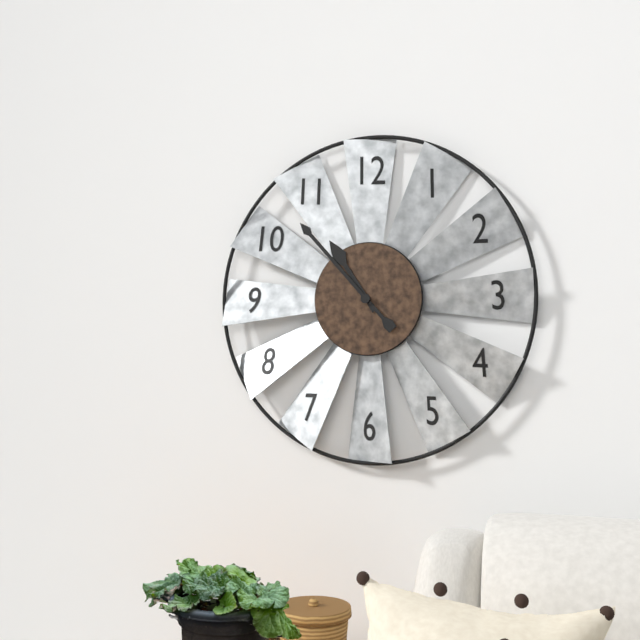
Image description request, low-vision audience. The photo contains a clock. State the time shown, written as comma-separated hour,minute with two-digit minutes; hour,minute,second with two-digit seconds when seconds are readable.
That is 10,53
